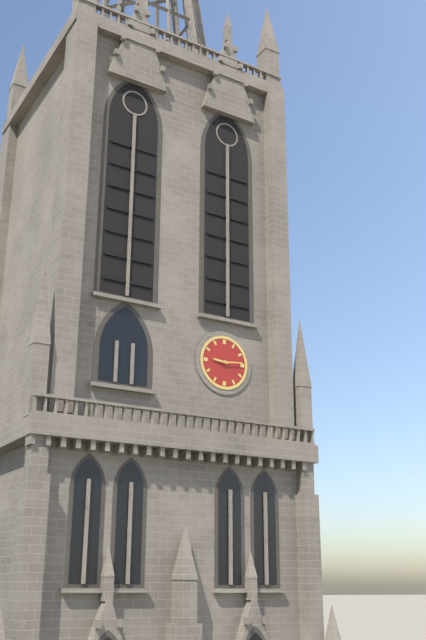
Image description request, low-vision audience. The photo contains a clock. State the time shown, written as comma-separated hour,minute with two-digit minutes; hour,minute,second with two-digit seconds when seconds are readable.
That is 9,14
